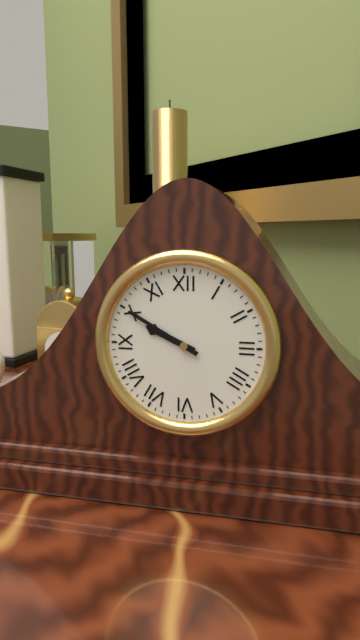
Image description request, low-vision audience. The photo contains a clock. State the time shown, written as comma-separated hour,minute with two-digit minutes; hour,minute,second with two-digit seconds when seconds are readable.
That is 9,50
